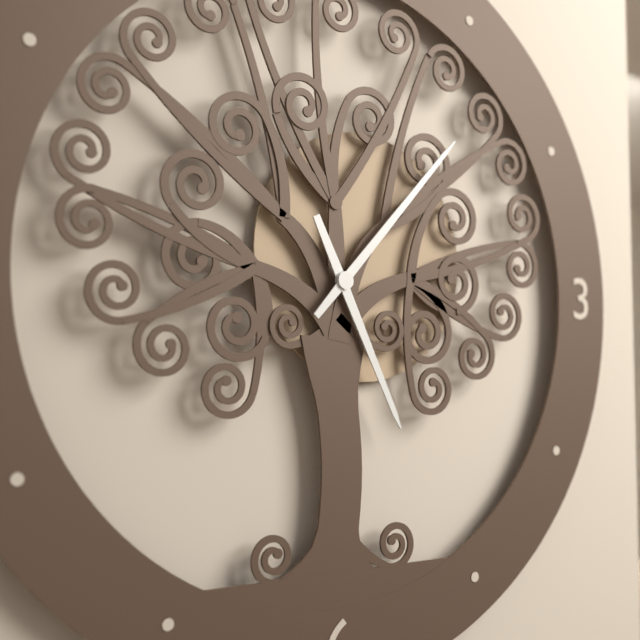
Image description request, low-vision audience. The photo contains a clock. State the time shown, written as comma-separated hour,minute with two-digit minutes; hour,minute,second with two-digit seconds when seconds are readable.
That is 5,07
